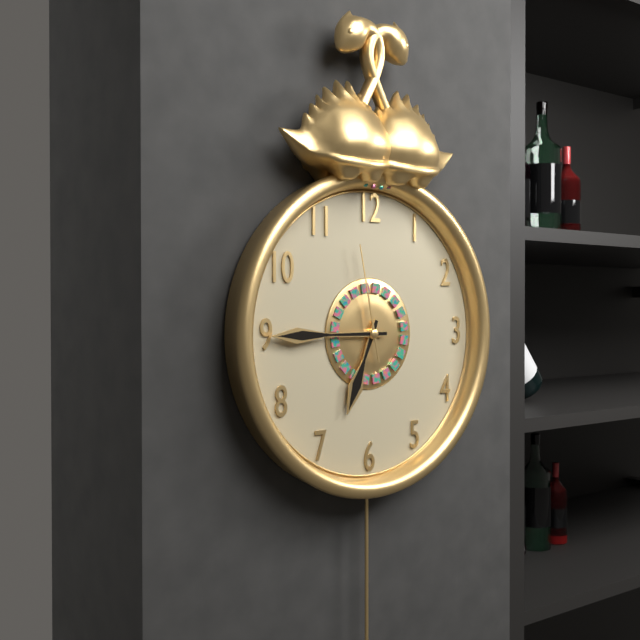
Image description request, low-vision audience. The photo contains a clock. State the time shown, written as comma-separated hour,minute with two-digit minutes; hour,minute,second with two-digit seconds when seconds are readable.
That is 6,45,58
